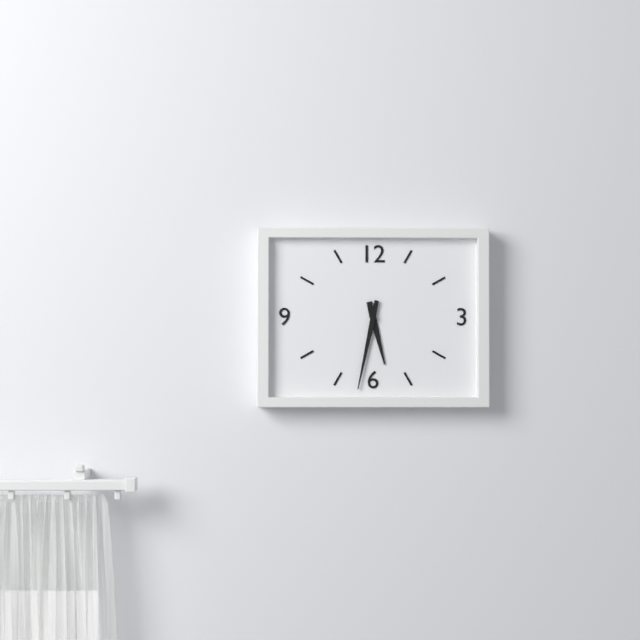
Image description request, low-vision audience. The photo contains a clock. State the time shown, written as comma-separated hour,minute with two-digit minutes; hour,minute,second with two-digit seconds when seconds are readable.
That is 5,32
